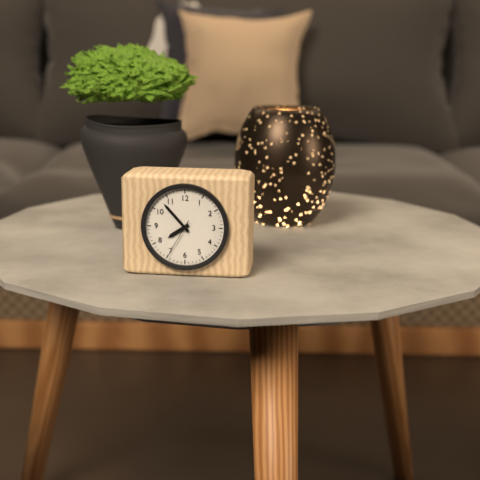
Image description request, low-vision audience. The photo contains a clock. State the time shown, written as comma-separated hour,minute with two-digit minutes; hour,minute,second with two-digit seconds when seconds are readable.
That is 7,53
